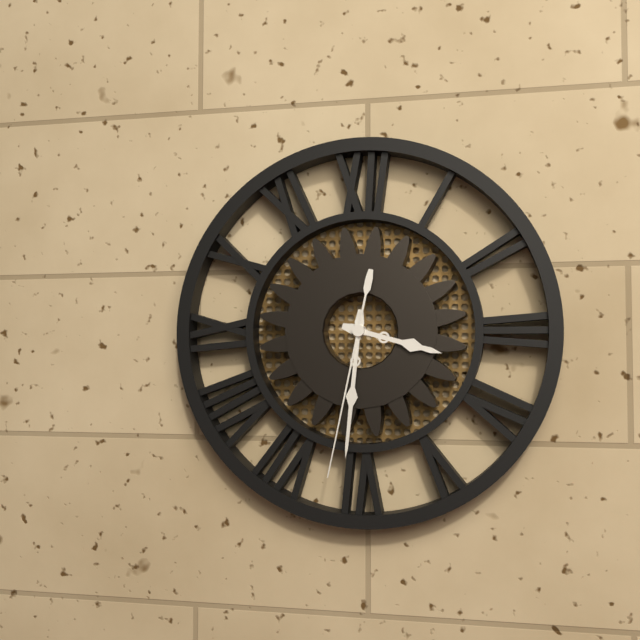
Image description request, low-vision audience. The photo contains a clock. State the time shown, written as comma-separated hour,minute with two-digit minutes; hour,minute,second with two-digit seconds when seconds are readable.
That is 3,31,32
